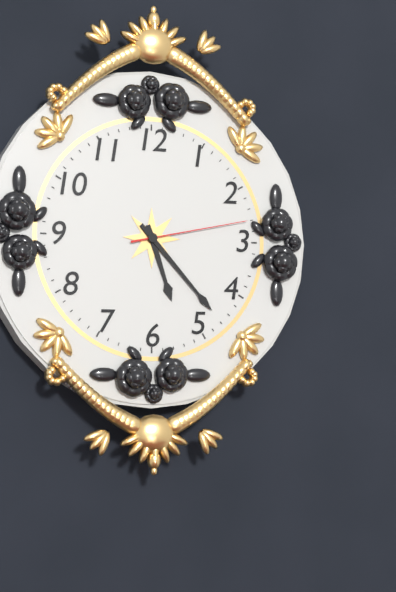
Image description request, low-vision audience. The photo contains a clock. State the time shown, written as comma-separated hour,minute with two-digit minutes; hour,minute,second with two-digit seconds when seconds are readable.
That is 5,23,13
